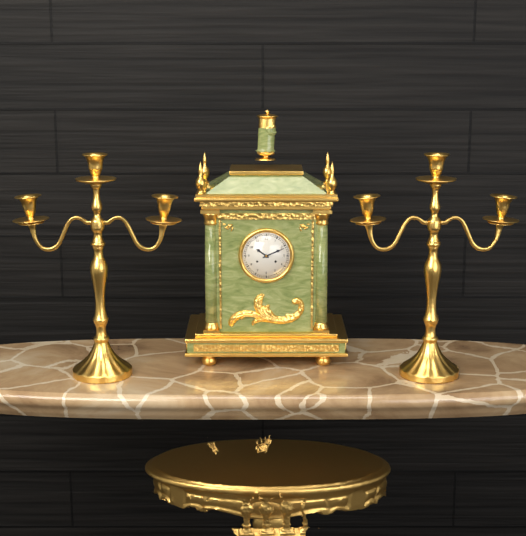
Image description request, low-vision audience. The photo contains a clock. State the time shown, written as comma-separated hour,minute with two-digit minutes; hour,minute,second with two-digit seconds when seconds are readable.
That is 10,11
